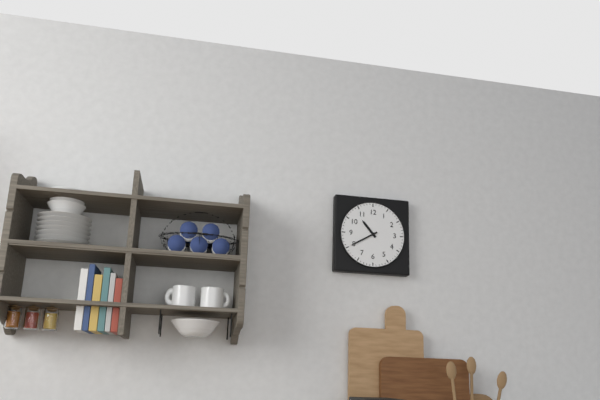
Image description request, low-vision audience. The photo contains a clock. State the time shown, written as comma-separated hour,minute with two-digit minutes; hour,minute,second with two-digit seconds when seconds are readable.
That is 10,40
